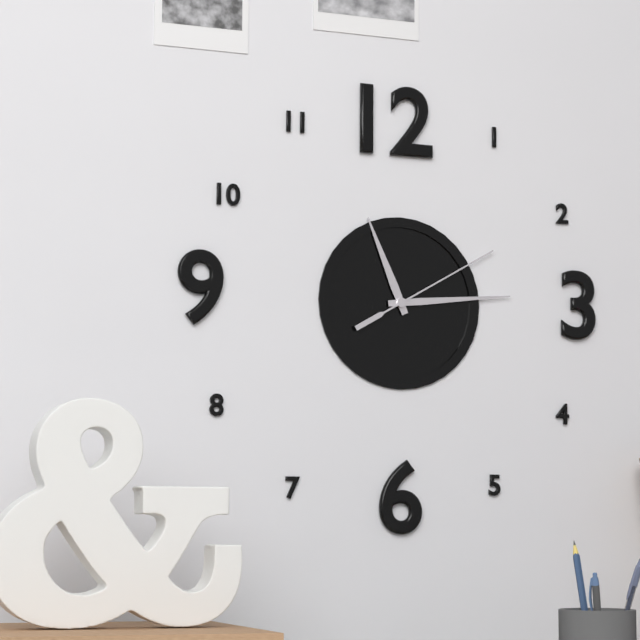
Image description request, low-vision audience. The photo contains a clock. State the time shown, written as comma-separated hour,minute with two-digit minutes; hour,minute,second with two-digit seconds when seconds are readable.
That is 11,14,10
